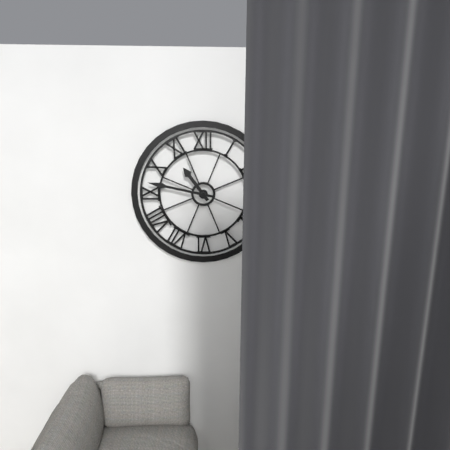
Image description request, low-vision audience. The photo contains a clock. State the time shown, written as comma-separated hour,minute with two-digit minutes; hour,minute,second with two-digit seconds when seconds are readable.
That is 10,47
